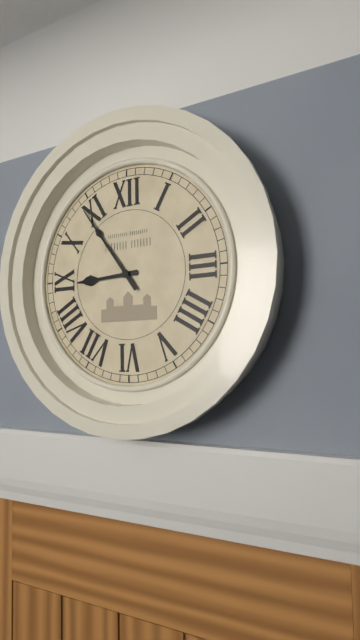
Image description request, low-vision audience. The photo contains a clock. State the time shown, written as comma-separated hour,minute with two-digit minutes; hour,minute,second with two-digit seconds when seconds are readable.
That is 8,54
